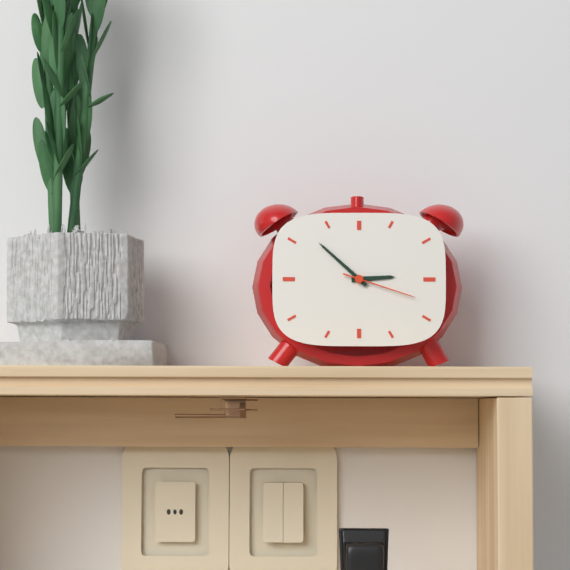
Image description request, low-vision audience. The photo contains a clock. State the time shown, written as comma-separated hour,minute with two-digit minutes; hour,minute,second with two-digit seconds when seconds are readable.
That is 2,52,18
